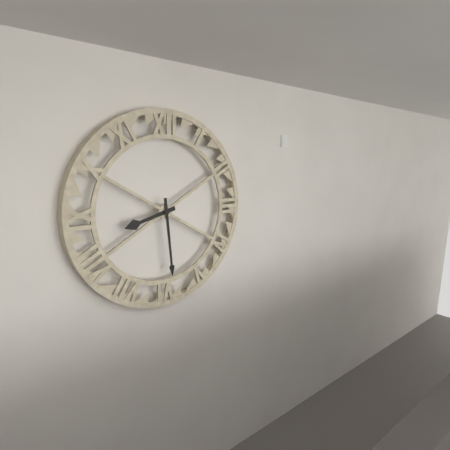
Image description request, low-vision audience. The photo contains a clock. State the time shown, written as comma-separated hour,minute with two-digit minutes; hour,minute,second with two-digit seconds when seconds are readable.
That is 8,29
